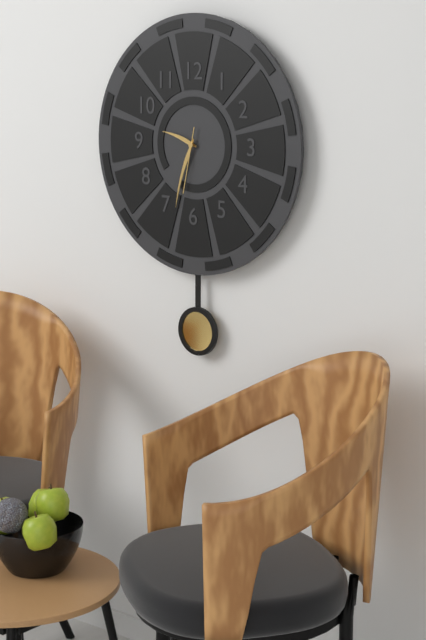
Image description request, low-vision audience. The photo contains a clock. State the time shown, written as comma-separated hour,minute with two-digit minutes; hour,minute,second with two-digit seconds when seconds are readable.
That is 9,33,32
